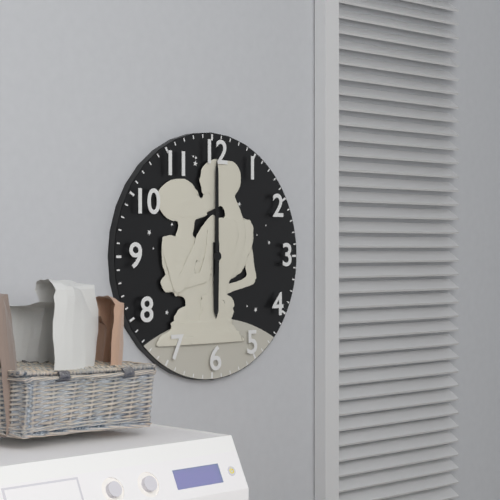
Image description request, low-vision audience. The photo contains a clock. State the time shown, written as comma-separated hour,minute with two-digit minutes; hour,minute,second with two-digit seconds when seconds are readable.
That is 6,00
